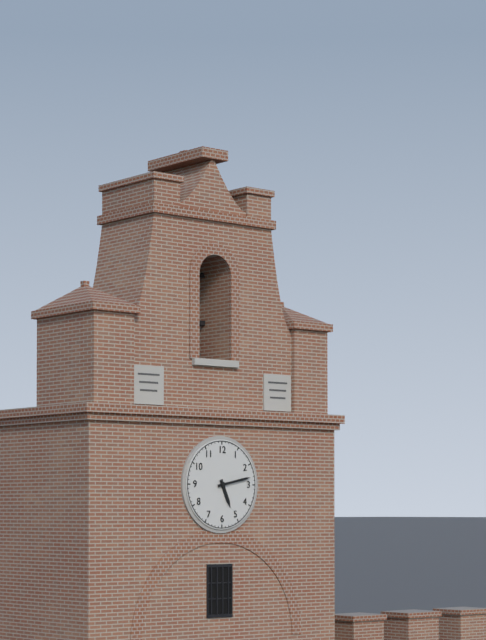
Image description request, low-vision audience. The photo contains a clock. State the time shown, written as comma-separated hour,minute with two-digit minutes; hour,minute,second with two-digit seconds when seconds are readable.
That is 5,13
